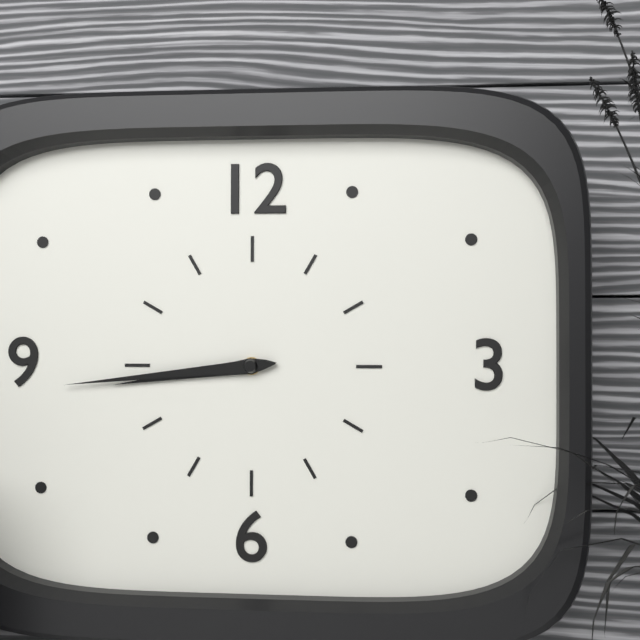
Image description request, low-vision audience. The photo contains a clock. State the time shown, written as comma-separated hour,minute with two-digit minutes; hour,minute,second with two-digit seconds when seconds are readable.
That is 8,44
